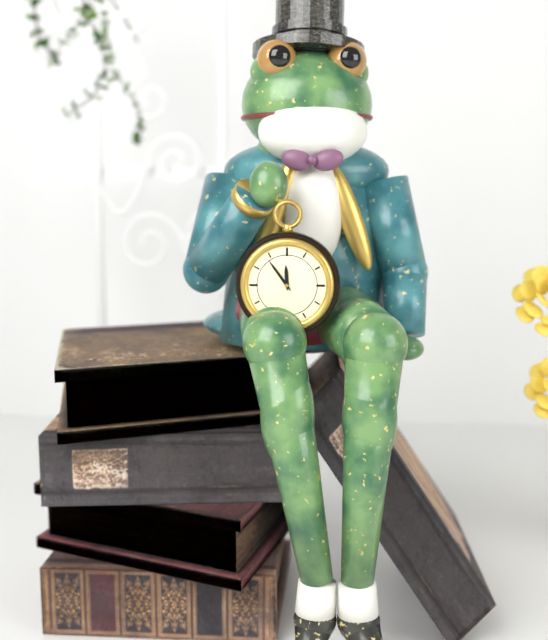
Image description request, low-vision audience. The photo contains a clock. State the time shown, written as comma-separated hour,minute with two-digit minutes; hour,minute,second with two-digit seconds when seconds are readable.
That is 11,54
